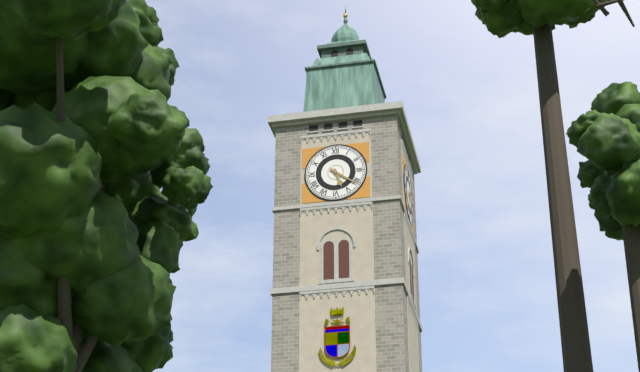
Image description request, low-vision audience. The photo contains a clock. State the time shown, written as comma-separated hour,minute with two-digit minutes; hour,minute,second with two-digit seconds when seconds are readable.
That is 5,21
